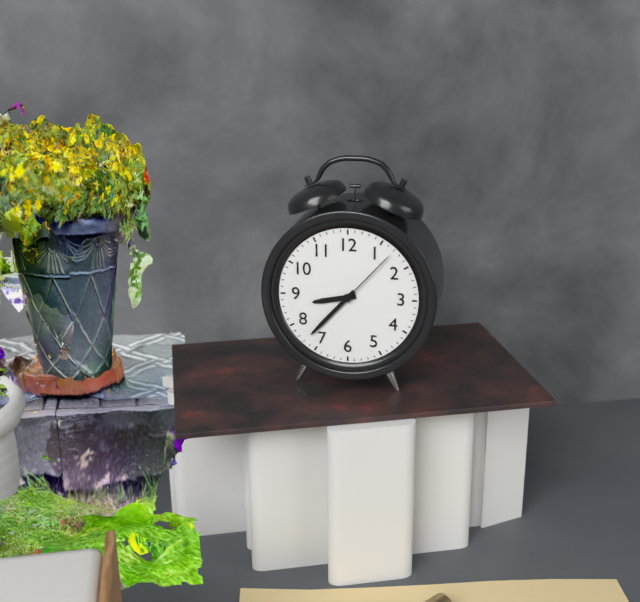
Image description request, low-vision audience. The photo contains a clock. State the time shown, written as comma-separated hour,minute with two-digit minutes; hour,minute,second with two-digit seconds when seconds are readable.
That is 8,37,07
